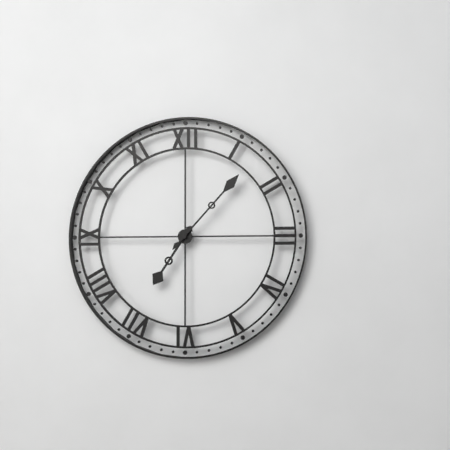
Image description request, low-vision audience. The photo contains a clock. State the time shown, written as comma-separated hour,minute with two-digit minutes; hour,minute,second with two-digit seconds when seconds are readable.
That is 7,07
